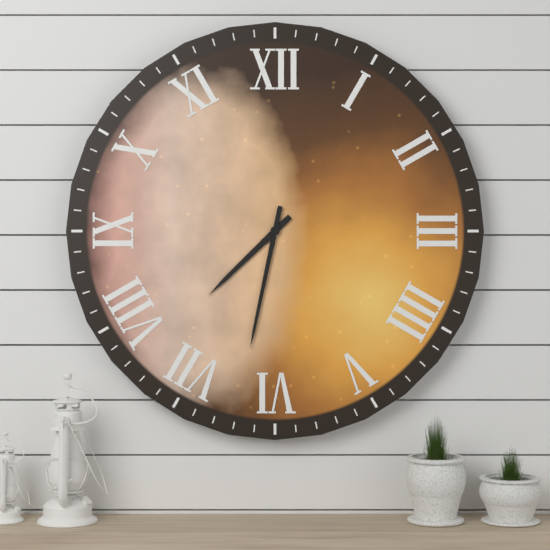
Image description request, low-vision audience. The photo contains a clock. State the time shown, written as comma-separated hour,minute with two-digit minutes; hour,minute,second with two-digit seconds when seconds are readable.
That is 7,32
